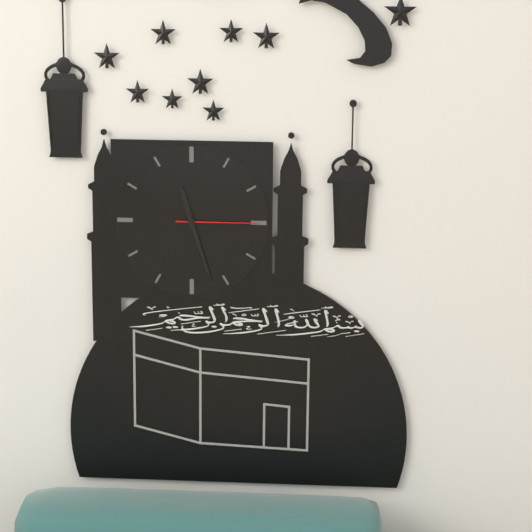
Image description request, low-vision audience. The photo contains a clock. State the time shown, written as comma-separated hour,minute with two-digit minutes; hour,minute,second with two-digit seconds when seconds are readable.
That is 11,27,15
